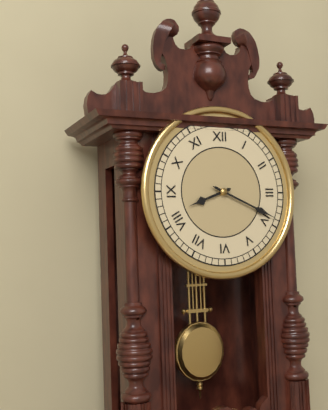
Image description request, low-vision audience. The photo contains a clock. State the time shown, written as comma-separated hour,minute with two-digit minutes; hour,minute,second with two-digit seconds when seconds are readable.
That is 8,19
